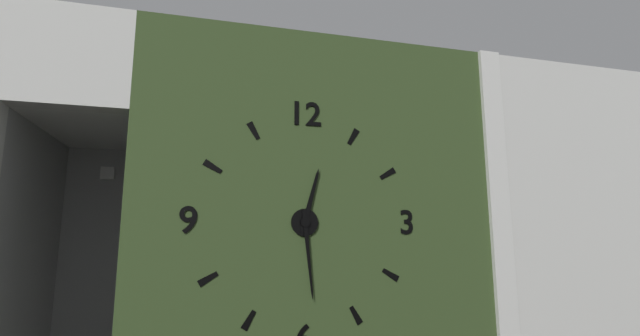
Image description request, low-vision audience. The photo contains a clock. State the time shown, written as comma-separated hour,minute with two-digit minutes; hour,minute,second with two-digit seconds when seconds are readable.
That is 12,29
